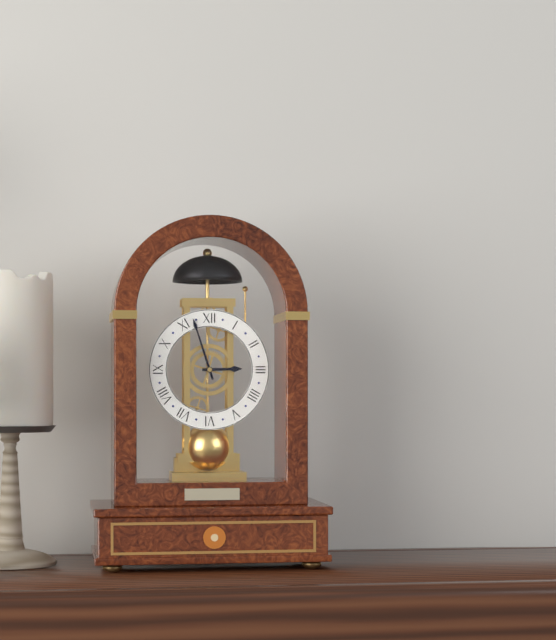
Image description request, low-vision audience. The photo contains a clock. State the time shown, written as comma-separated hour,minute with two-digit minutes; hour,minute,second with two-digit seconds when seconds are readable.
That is 2,57
